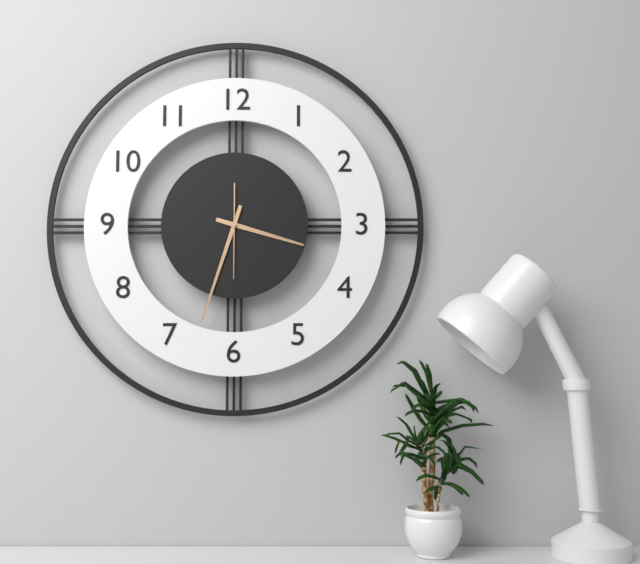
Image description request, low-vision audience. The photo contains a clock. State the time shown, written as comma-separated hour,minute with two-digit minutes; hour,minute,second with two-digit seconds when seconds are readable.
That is 3,33,30
